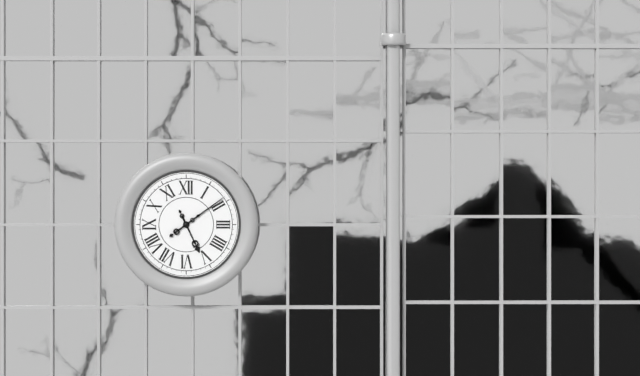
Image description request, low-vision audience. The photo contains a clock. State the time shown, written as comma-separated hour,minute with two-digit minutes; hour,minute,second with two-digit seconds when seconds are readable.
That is 5,09
